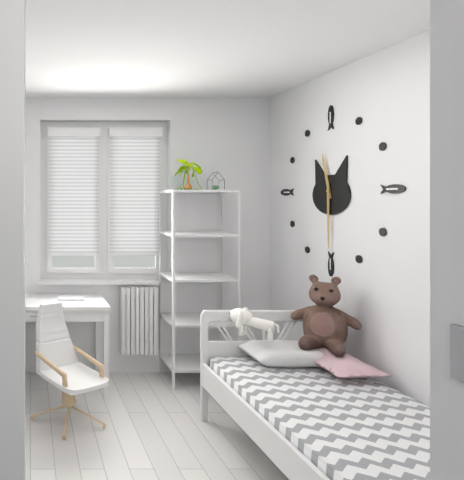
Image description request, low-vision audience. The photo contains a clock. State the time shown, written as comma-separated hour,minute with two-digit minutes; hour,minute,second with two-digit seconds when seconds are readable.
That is 11,30
